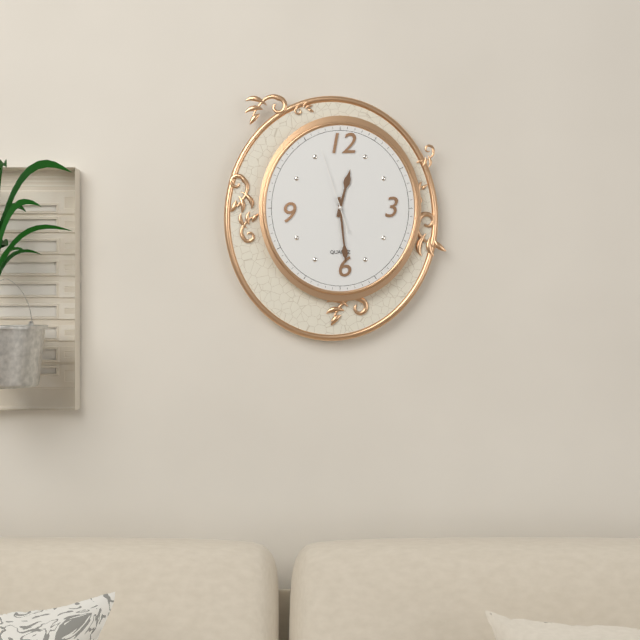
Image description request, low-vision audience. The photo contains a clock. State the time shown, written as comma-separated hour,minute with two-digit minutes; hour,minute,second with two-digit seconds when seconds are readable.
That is 12,29,57
